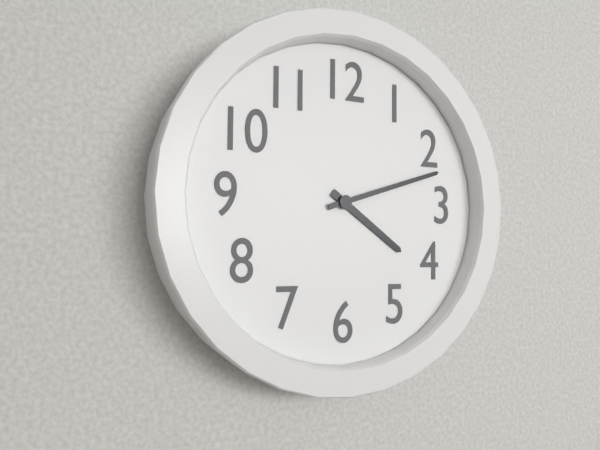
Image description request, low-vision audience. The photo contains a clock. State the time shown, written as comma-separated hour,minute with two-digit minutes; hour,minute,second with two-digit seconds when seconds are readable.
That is 4,12
